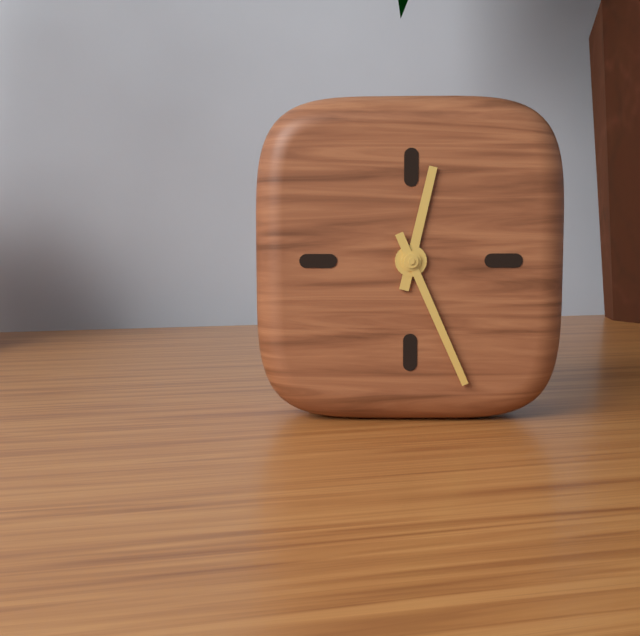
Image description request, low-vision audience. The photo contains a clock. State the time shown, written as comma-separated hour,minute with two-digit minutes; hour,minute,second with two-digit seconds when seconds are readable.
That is 12,26
